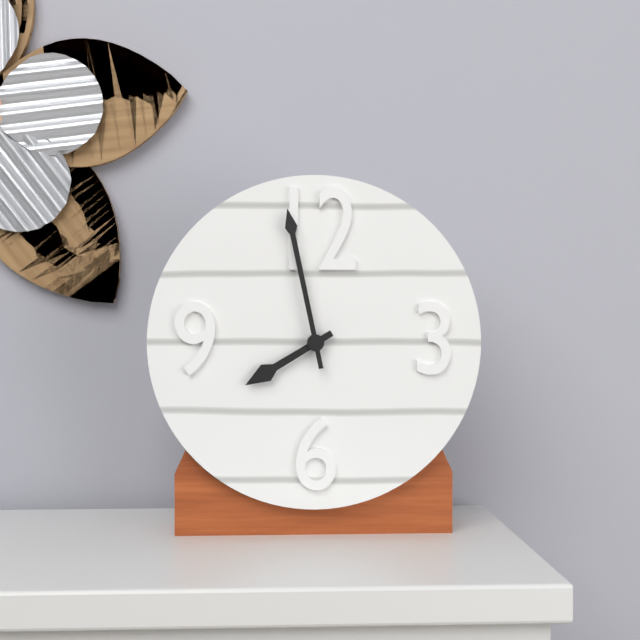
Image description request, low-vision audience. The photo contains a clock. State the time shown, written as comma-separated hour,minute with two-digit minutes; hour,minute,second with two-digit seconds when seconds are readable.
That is 7,58
